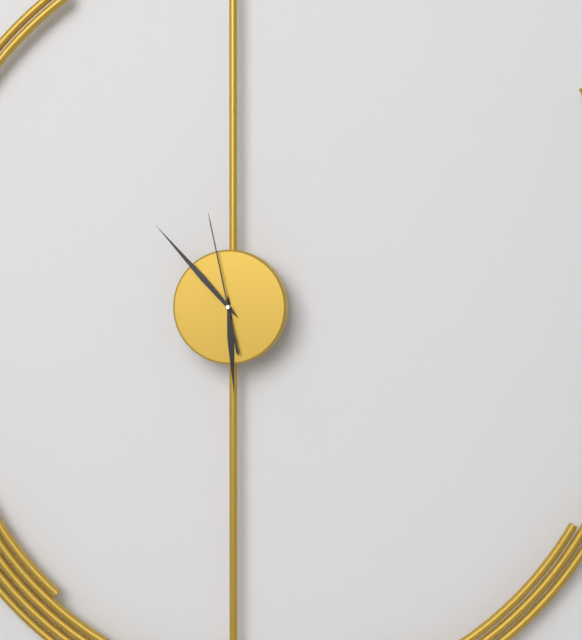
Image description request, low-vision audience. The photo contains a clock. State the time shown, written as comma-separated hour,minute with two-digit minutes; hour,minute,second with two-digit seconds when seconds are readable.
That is 5,53,58
